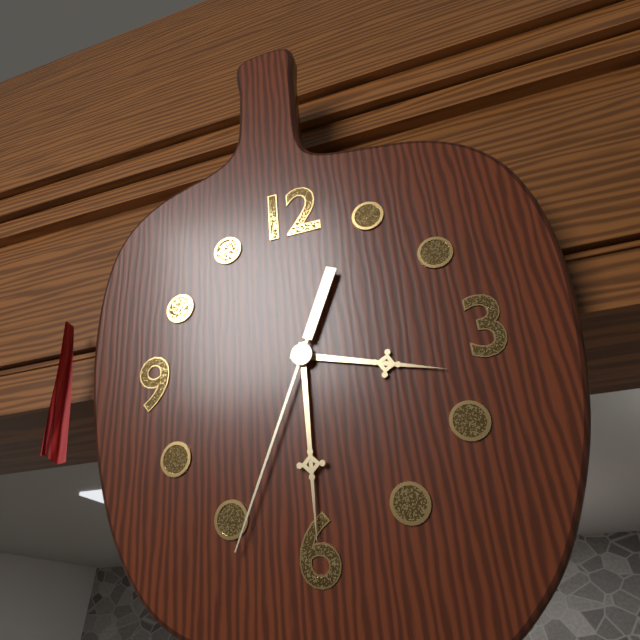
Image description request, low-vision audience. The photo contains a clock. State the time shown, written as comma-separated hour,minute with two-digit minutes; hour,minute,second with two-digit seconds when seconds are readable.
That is 3,30,34
